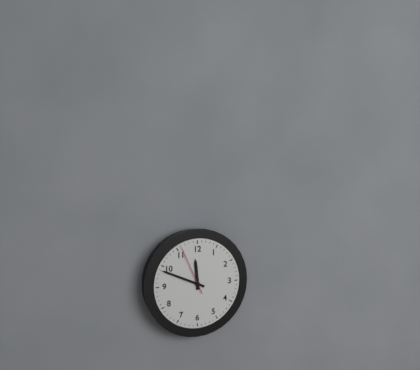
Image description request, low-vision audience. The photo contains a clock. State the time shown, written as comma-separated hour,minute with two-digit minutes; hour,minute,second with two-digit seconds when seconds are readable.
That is 11,49
